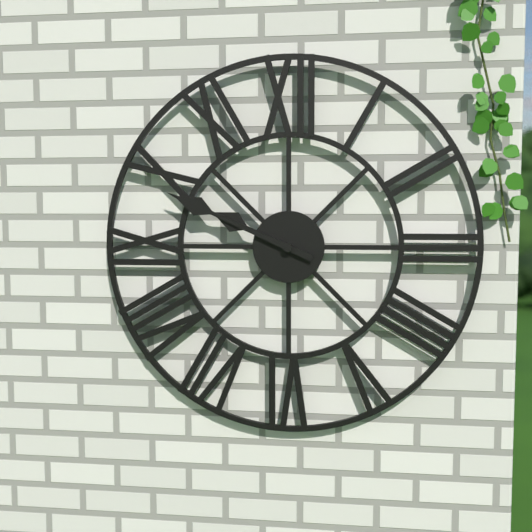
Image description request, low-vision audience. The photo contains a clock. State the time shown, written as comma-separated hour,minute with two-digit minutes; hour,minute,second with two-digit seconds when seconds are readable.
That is 9,49
